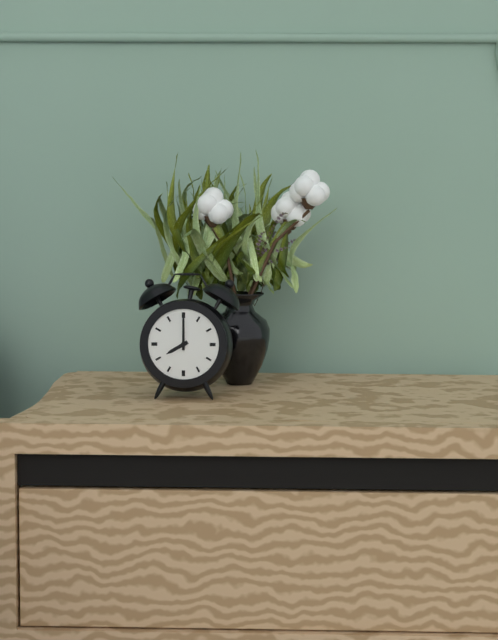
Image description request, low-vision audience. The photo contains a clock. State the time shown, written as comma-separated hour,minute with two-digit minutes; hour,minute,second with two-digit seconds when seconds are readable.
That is 8,00
